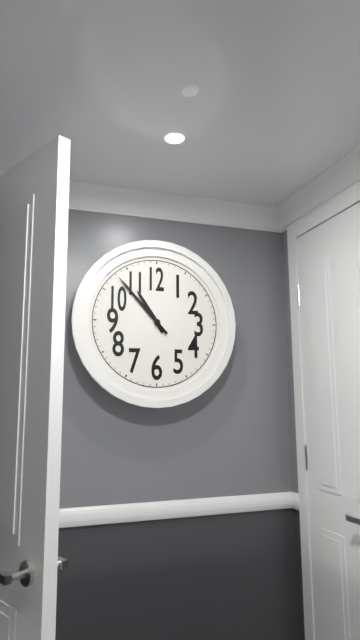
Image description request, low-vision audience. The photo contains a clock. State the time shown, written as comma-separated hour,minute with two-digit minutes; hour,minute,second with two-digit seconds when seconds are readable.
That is 10,53
